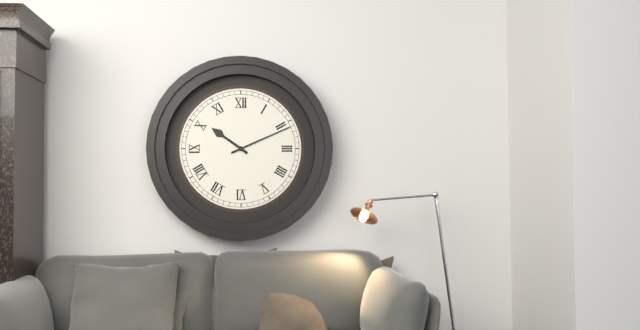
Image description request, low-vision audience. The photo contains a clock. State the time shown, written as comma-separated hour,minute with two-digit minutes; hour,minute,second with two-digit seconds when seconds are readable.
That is 10,11
